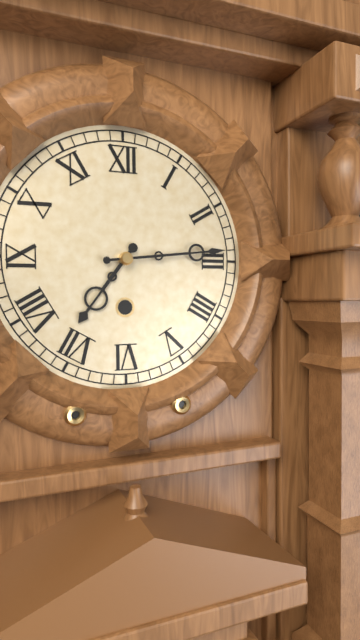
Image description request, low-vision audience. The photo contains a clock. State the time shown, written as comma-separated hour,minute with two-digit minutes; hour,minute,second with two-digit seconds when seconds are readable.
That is 7,14
